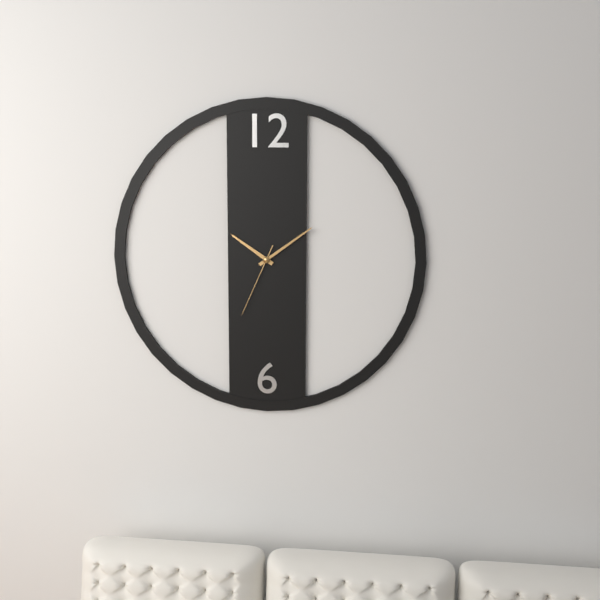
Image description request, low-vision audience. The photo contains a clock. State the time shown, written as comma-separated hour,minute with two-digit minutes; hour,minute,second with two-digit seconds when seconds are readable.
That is 10,09,34
